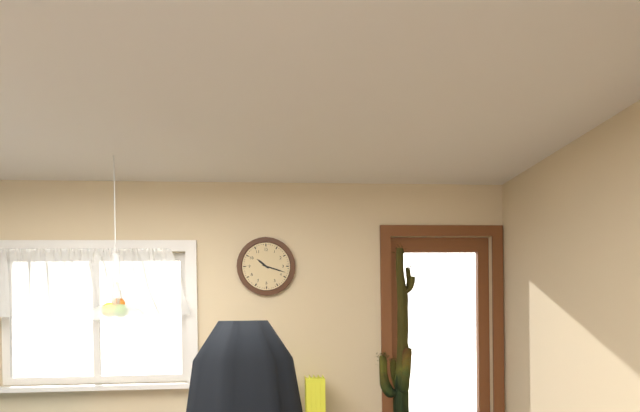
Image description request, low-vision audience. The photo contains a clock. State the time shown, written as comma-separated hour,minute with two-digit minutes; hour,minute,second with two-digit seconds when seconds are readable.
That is 10,18
